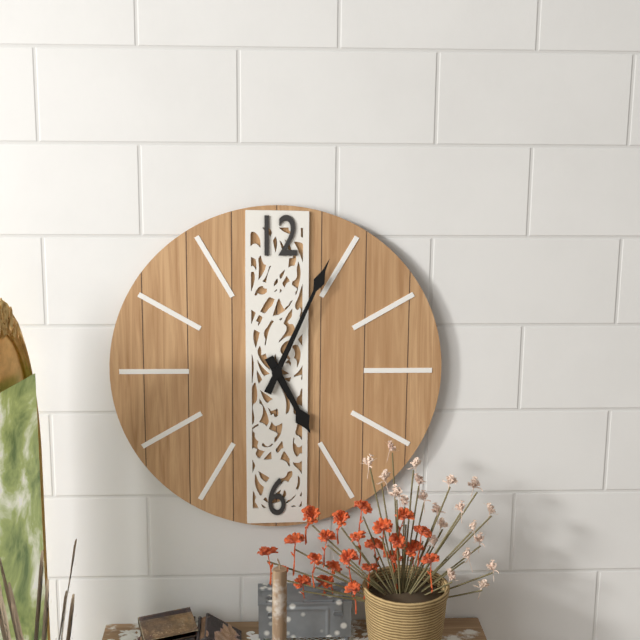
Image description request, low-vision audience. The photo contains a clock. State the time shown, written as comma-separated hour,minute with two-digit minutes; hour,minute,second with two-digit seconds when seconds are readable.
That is 5,04
